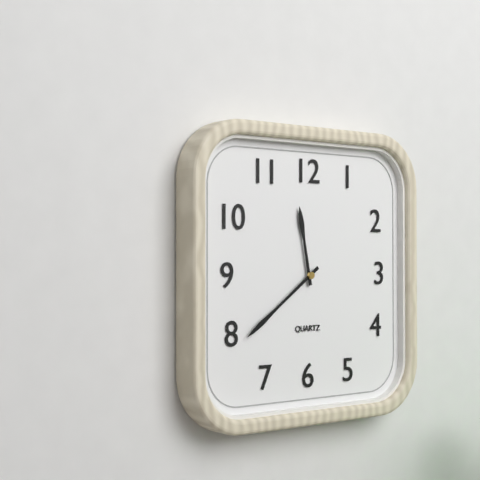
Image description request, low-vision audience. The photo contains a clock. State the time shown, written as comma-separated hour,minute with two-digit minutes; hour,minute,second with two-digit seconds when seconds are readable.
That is 11,39
